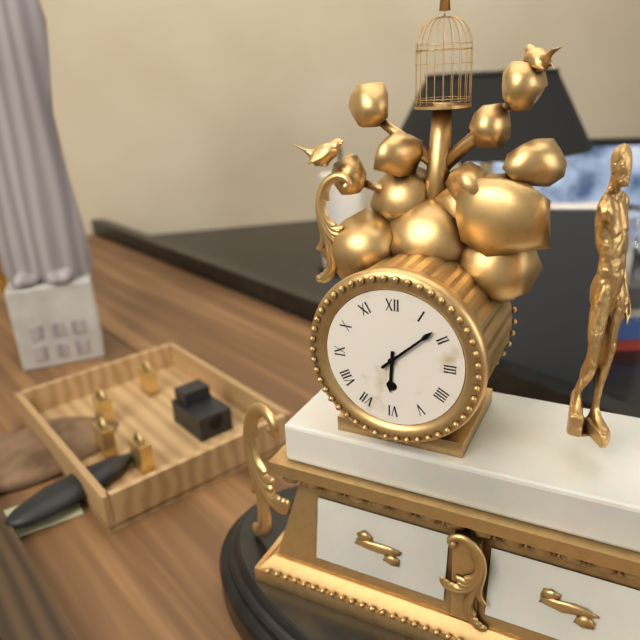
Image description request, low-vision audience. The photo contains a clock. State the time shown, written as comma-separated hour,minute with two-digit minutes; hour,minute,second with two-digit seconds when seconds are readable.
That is 6,08
